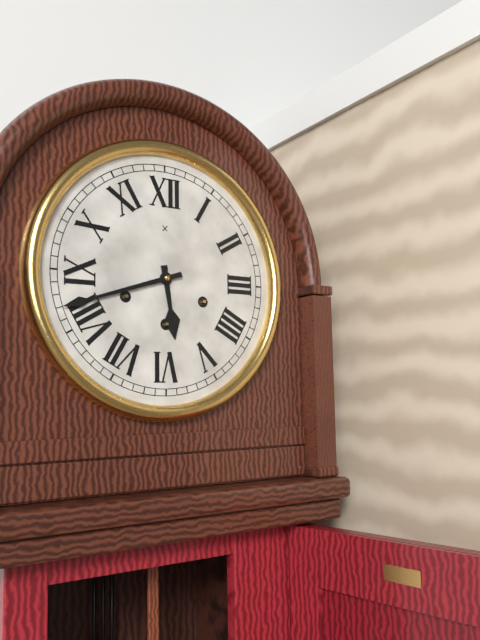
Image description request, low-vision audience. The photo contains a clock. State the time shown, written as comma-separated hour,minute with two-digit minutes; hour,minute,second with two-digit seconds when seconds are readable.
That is 5,42
